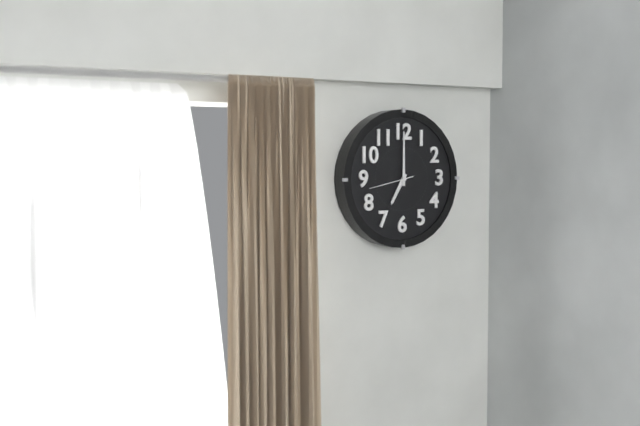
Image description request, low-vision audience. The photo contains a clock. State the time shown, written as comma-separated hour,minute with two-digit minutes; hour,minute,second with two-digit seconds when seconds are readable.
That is 7,00
